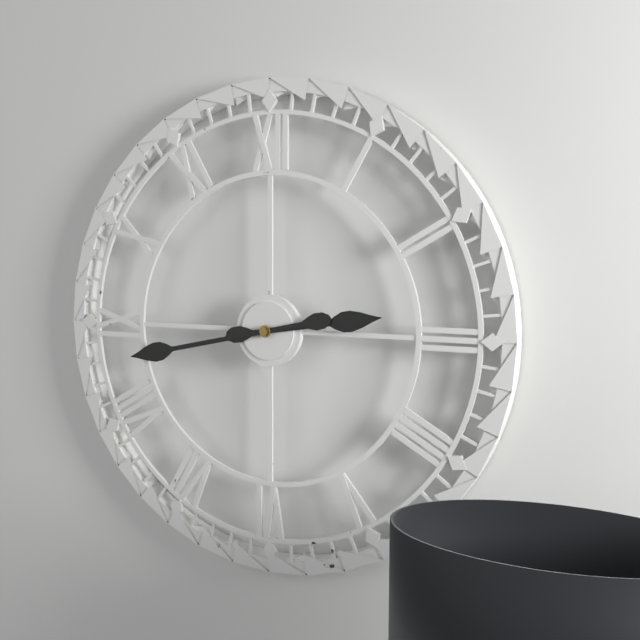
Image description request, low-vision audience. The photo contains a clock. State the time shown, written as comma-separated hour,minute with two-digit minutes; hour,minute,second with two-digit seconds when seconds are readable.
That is 2,43
